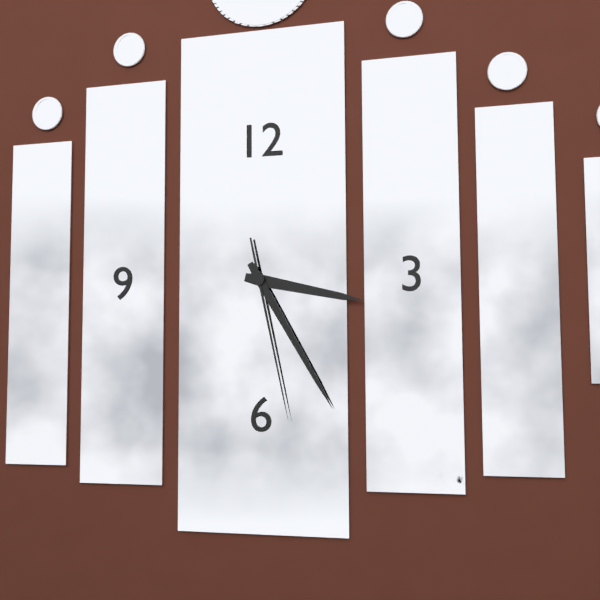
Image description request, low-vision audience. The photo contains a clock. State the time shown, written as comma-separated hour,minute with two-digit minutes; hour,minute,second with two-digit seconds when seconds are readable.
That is 3,25,28
